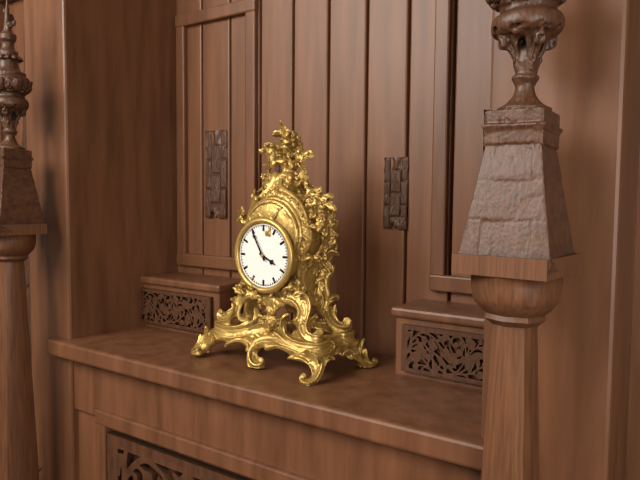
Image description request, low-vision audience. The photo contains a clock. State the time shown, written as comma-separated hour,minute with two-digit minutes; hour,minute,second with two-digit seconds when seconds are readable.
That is 3,55
